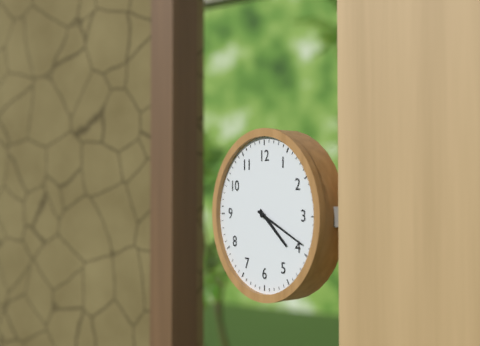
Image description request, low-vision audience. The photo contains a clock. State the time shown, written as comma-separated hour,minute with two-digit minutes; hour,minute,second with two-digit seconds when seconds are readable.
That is 4,19
